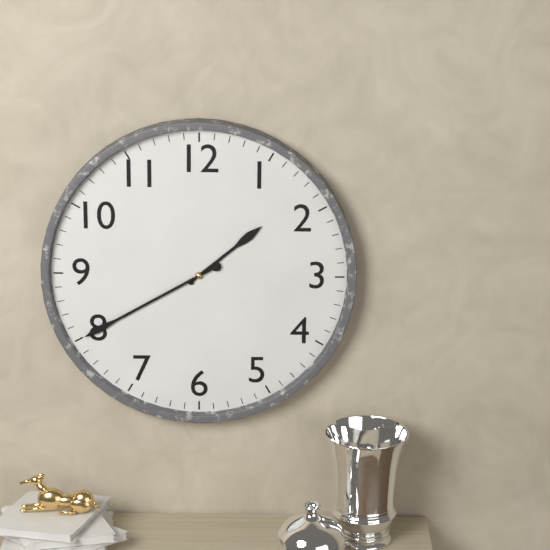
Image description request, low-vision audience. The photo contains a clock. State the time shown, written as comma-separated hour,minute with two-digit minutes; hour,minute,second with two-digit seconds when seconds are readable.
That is 1,40
